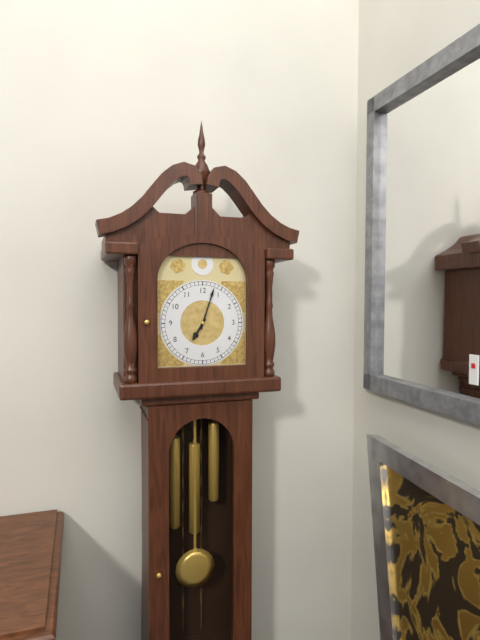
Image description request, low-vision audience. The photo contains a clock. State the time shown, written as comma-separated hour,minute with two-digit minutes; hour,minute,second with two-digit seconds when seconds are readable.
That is 7,03
